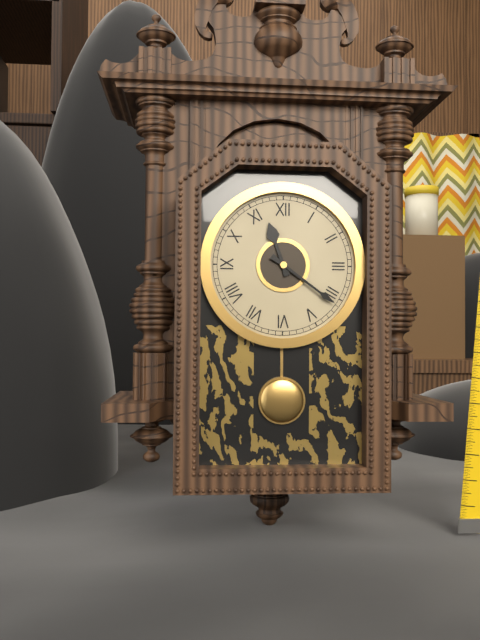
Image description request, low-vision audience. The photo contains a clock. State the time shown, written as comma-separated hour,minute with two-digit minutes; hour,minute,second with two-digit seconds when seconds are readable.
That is 11,21
